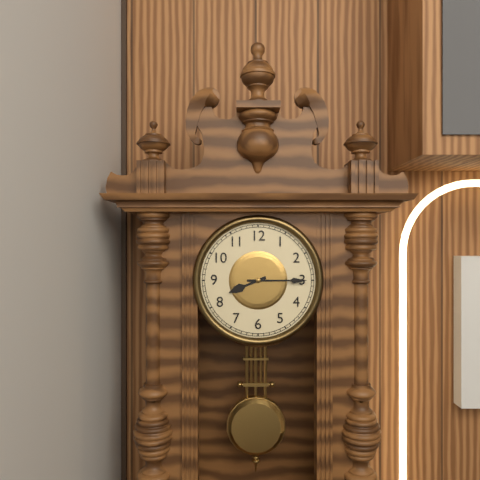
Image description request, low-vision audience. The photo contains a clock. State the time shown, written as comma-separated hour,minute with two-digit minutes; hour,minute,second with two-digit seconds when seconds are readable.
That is 8,15
